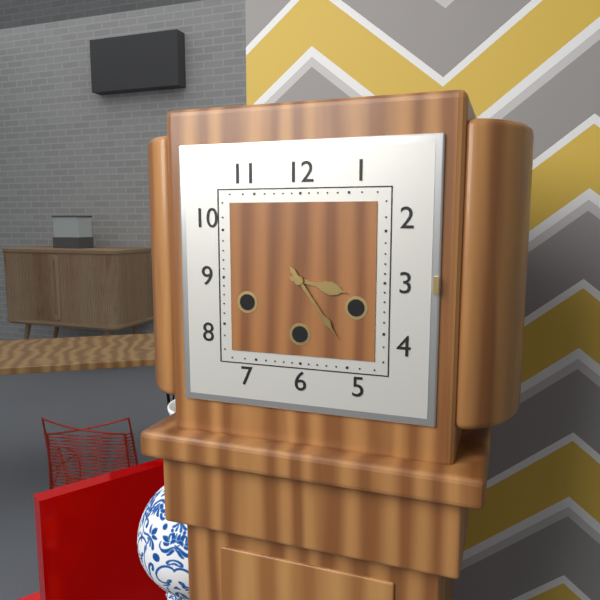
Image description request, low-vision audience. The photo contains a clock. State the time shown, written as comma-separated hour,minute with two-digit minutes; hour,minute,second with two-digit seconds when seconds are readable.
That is 3,24
